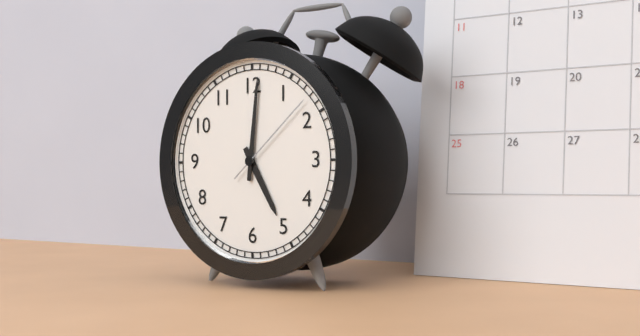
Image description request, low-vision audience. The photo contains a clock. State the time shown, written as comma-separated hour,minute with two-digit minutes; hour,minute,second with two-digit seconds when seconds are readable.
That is 5,01,08
